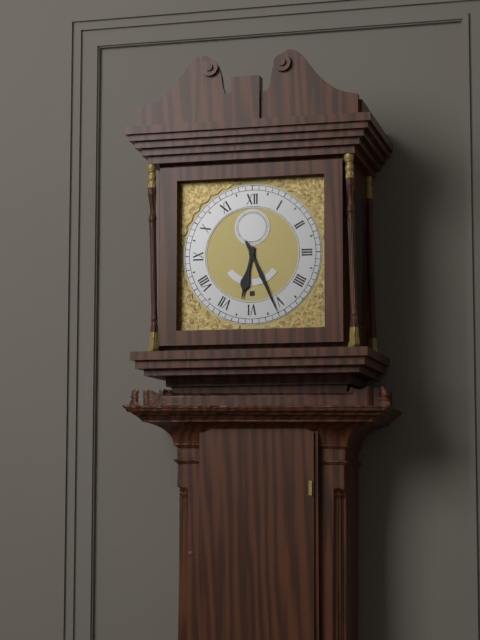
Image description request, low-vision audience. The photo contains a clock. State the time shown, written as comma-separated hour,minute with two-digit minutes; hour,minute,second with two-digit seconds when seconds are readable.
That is 6,26
